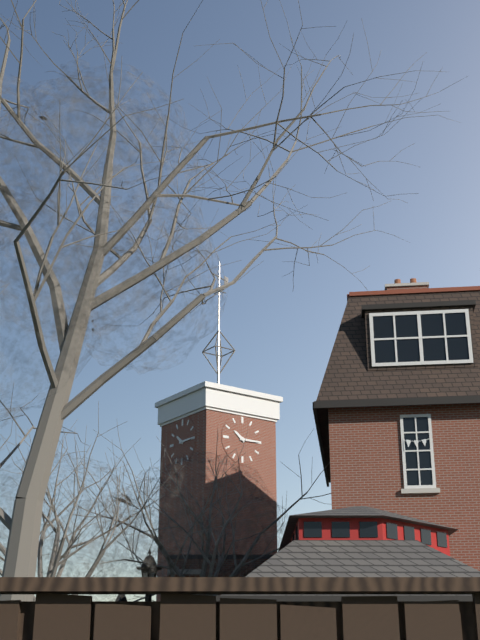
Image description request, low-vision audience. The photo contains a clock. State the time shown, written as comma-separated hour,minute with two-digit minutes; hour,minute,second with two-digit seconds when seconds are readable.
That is 10,15
